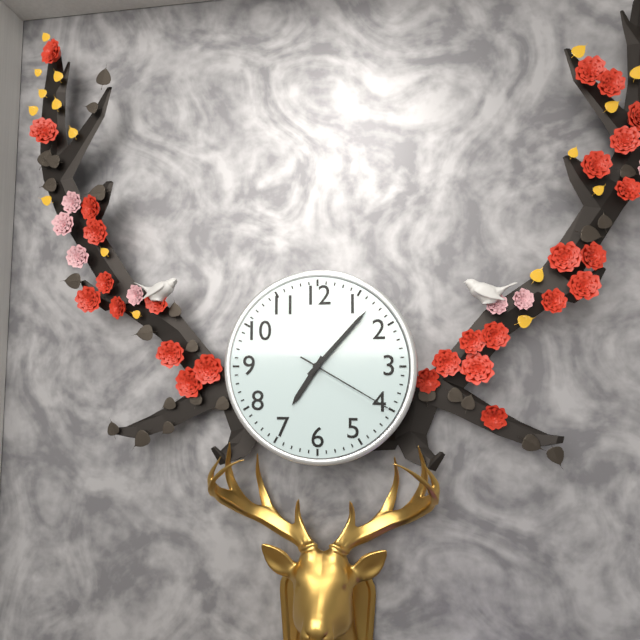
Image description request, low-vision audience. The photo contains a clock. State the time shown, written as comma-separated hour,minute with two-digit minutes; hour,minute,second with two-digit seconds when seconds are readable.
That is 7,07,20
